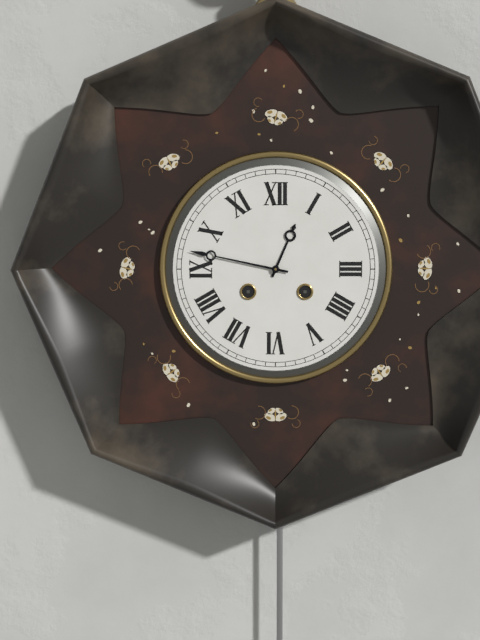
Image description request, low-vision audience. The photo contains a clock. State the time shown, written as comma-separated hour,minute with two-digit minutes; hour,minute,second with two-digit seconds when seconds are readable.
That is 12,47
